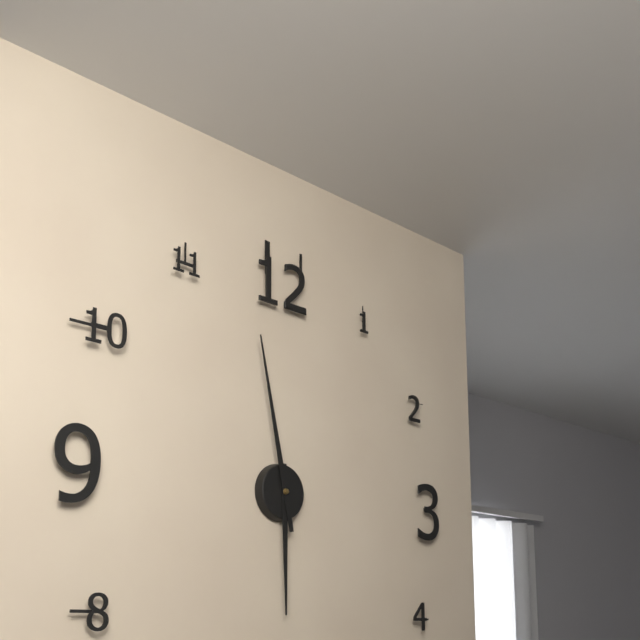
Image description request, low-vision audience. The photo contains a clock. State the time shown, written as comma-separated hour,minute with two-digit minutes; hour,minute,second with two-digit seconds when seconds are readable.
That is 5,58
